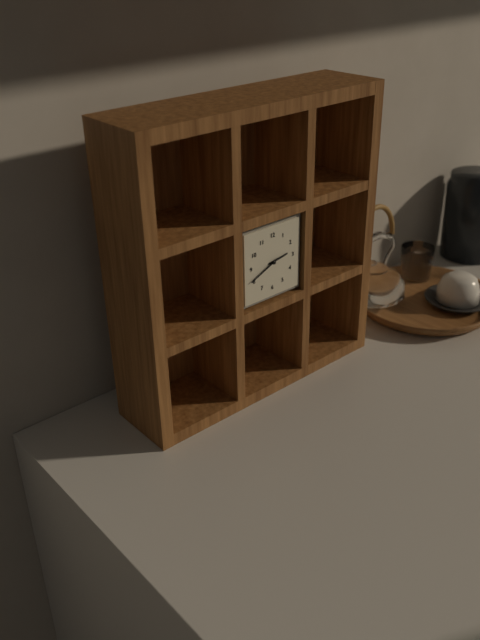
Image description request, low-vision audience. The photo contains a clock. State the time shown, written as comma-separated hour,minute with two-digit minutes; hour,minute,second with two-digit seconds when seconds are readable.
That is 2,41
